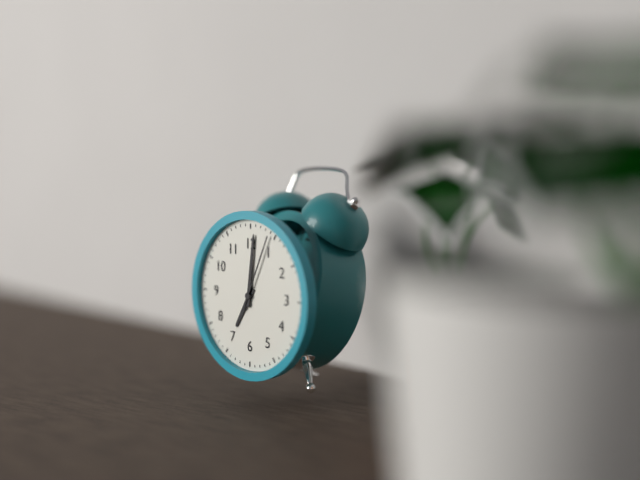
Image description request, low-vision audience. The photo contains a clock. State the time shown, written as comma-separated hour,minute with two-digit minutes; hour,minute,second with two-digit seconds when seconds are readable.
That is 7,01,04
